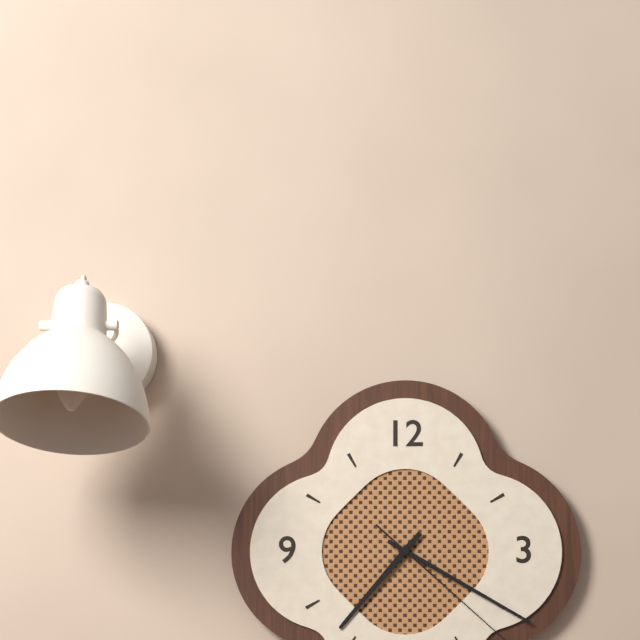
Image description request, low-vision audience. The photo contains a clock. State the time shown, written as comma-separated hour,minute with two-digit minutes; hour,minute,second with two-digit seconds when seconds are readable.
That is 7,20
